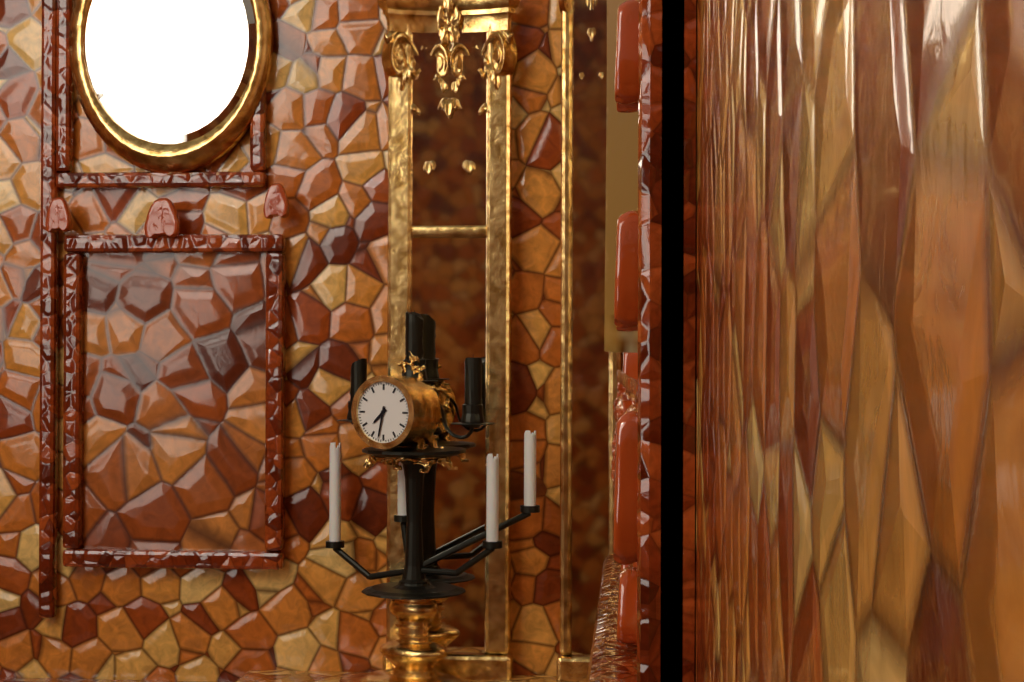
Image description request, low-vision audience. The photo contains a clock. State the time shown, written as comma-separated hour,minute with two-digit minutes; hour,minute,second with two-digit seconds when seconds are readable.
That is 7,32
